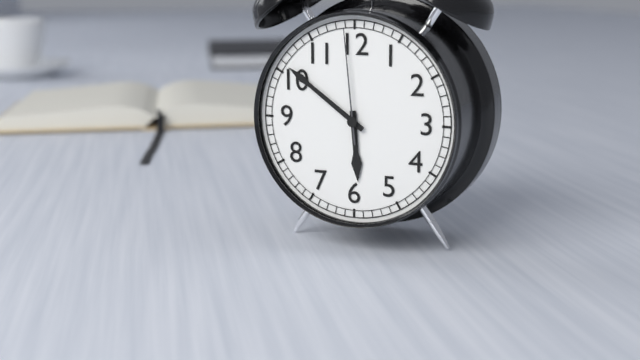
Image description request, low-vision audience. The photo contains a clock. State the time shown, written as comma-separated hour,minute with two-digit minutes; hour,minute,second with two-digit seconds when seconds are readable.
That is 5,51,59
